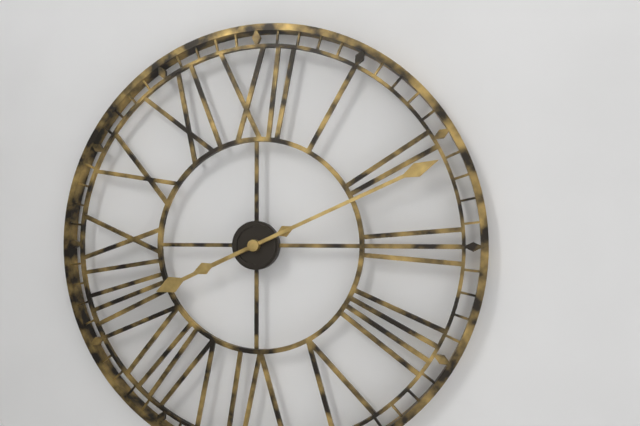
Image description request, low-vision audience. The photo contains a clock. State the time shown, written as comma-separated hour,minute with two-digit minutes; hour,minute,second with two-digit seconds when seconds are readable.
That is 8,11
